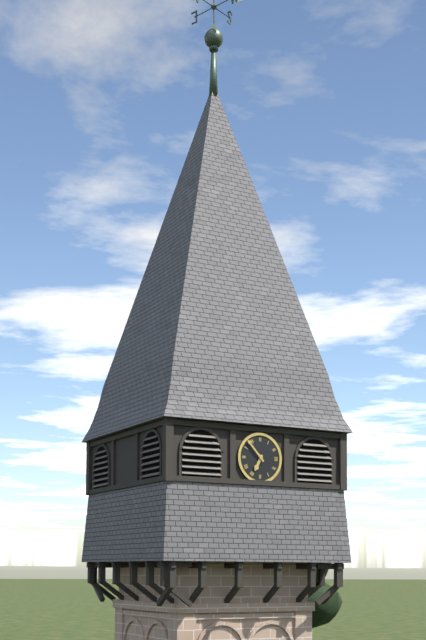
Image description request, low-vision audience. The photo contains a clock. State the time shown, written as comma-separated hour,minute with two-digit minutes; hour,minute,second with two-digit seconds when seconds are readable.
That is 6,53
